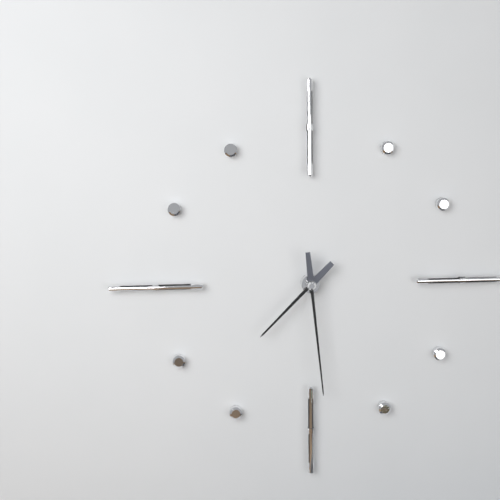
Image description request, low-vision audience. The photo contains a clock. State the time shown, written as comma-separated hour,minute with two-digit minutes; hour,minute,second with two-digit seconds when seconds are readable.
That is 7,29
